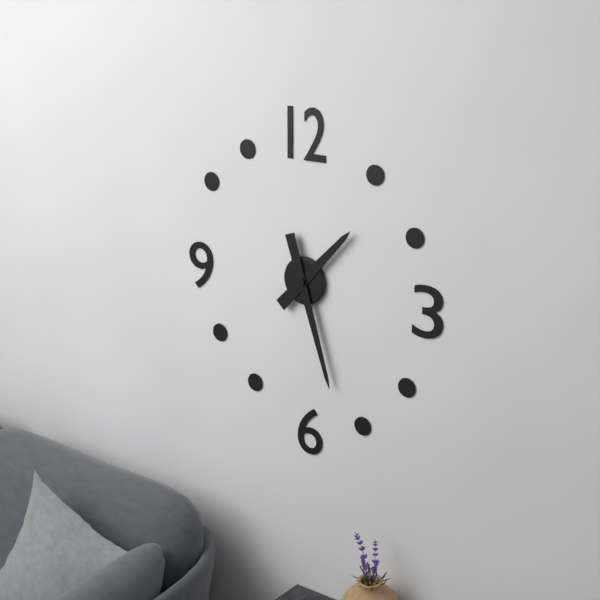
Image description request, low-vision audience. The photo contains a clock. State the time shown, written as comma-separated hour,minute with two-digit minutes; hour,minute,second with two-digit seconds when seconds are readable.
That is 1,27
